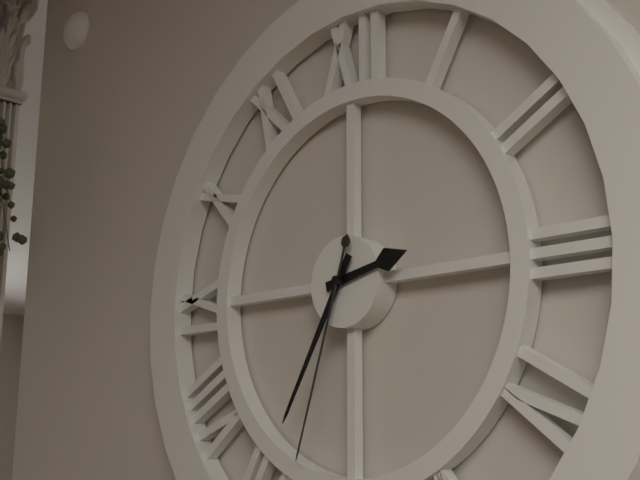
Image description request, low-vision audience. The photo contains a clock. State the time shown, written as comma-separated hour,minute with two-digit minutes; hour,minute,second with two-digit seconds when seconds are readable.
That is 2,35,33
